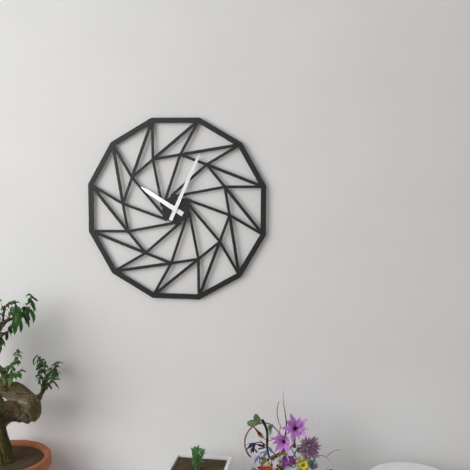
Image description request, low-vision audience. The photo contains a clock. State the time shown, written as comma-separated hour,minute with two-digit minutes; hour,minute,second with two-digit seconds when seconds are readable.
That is 10,04
